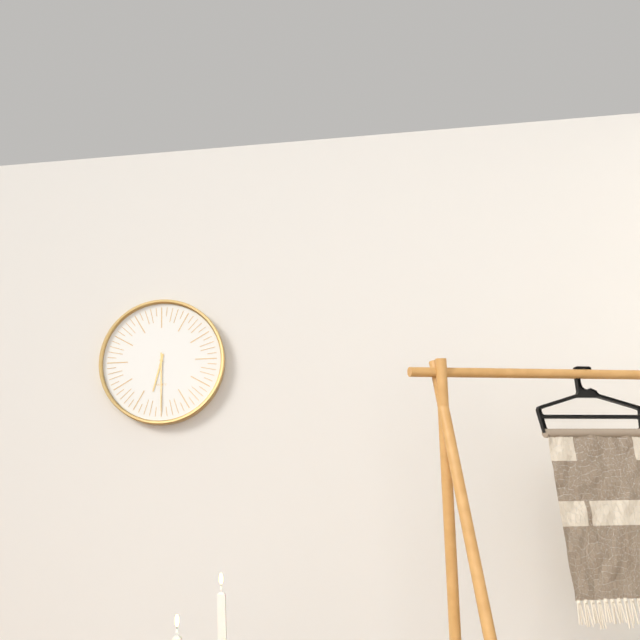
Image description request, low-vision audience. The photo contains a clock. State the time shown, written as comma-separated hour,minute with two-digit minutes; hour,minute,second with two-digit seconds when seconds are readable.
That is 6,30
